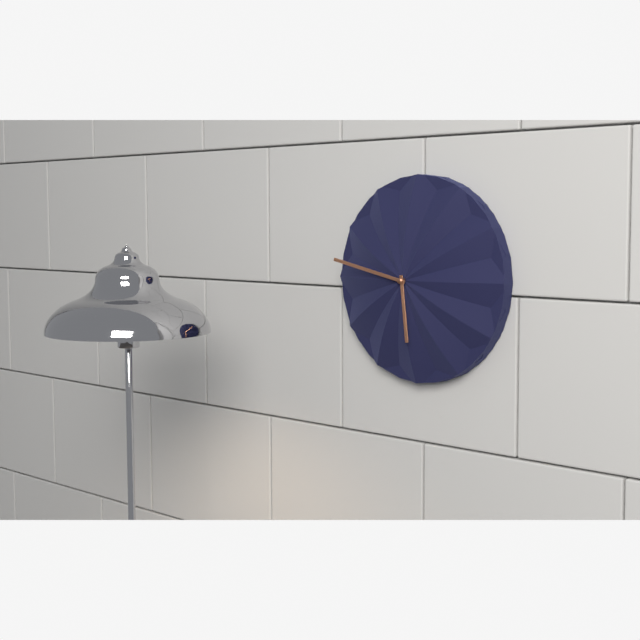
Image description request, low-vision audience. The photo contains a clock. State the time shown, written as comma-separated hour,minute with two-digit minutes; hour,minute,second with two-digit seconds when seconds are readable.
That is 5,47
